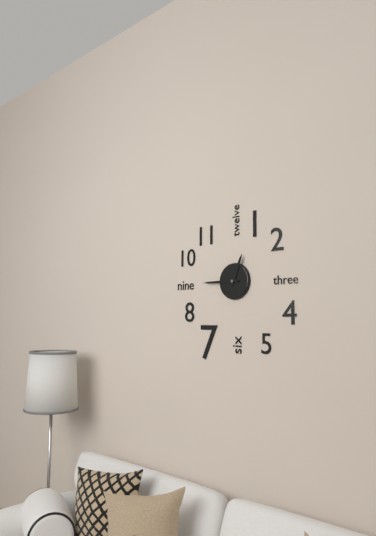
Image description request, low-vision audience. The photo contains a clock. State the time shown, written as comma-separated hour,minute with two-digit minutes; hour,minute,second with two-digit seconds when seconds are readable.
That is 12,45
